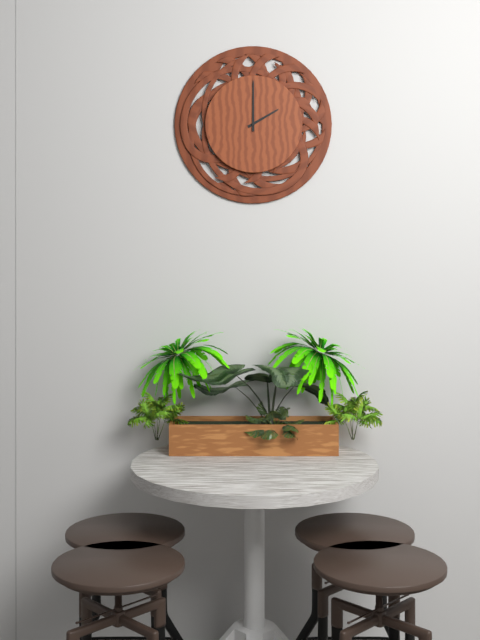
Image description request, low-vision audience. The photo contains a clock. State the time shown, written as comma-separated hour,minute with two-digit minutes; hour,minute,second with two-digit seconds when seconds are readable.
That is 2,00
